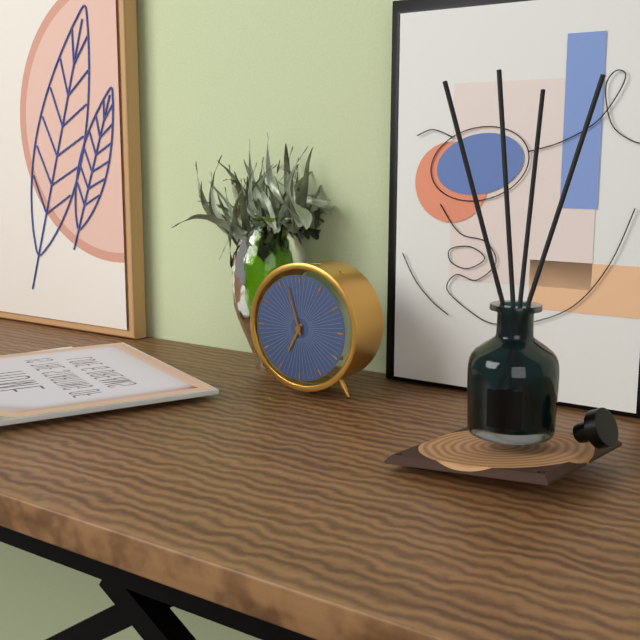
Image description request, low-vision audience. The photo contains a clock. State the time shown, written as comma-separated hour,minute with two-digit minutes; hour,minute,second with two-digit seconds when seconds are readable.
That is 6,57
